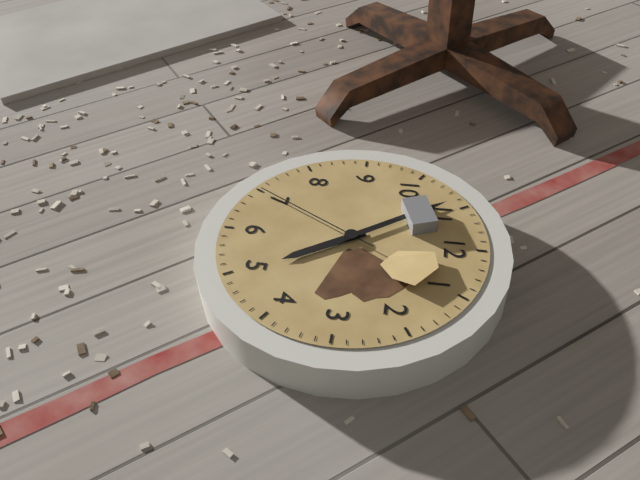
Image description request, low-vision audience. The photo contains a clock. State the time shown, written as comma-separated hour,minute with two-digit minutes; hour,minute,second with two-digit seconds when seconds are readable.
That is 4,54,35
